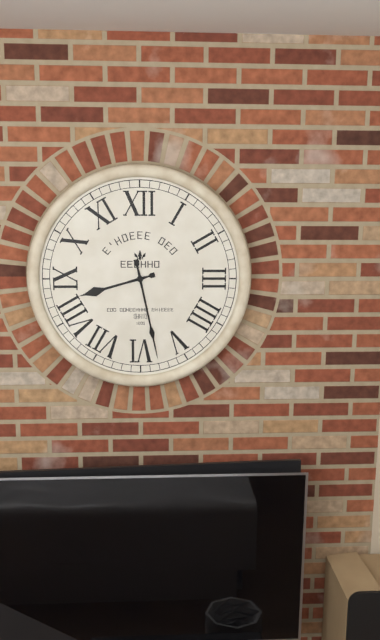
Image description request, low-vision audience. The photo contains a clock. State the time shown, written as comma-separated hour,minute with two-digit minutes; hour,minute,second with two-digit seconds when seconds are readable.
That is 8,28
